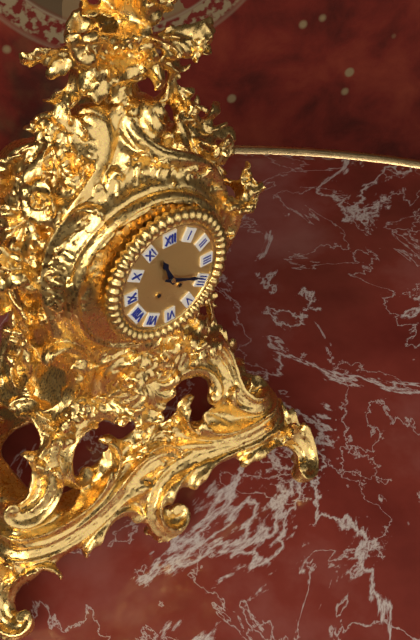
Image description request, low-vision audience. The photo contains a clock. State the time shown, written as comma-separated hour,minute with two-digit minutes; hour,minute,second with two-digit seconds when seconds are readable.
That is 11,19
